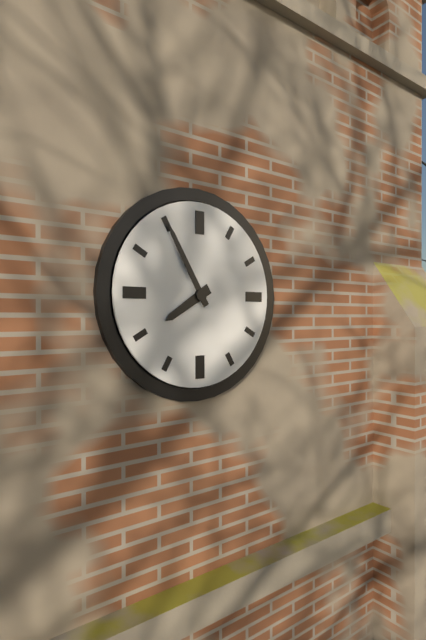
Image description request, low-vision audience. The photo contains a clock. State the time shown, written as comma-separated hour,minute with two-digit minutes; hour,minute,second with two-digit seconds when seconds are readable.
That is 7,55
